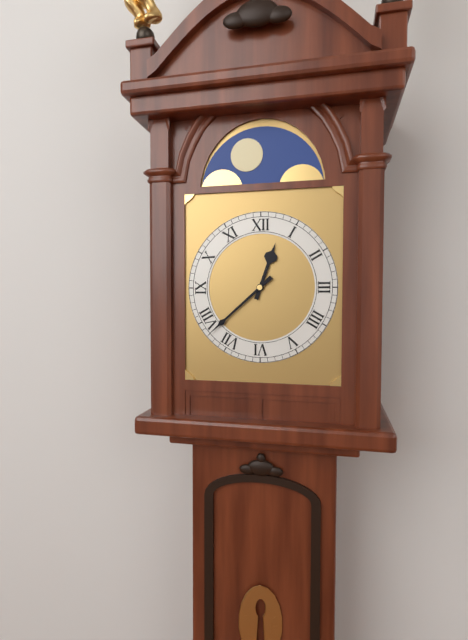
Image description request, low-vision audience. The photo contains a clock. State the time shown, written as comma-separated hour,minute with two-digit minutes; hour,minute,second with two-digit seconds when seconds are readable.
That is 12,38
